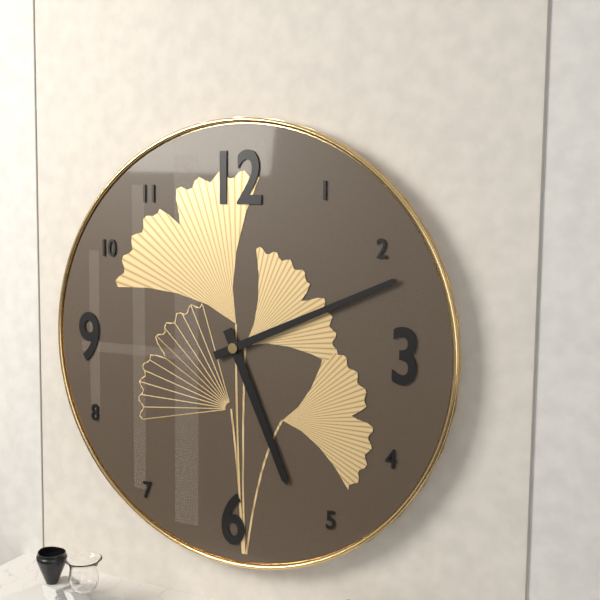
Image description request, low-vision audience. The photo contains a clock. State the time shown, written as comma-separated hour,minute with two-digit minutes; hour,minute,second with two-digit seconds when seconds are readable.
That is 5,11
